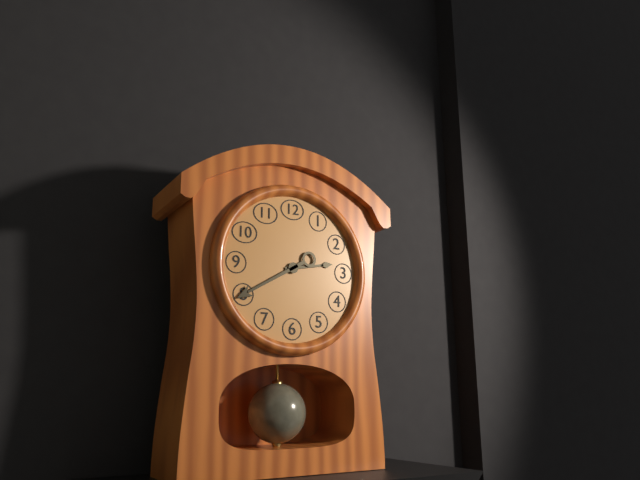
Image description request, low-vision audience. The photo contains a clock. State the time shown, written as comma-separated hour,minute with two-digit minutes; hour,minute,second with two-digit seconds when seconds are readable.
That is 2,40
